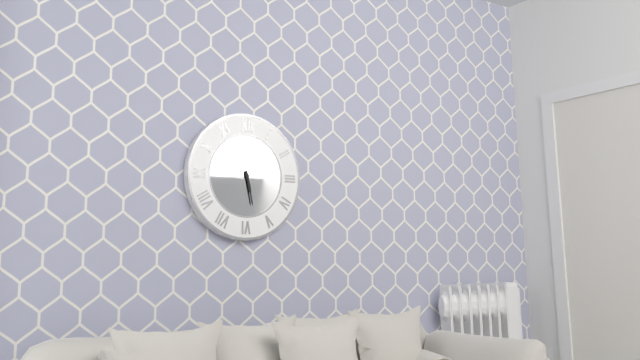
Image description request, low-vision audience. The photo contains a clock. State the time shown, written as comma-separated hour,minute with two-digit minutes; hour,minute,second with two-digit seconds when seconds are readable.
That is 5,28
